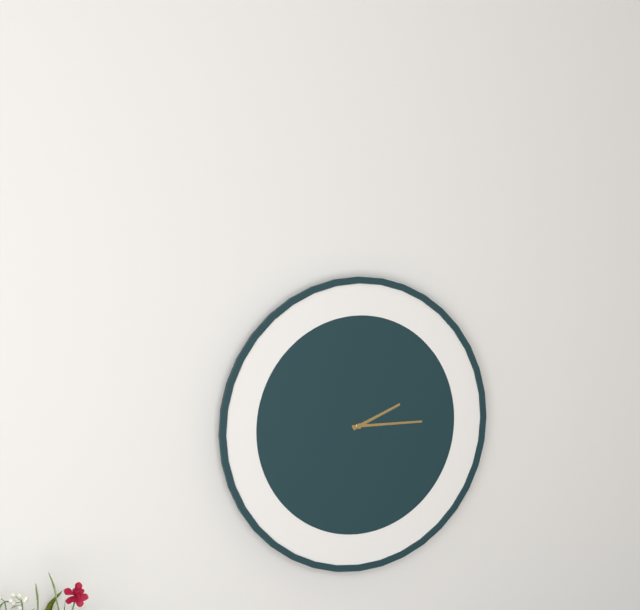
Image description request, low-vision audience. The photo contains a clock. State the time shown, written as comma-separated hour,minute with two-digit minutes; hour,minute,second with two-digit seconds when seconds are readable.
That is 2,15
